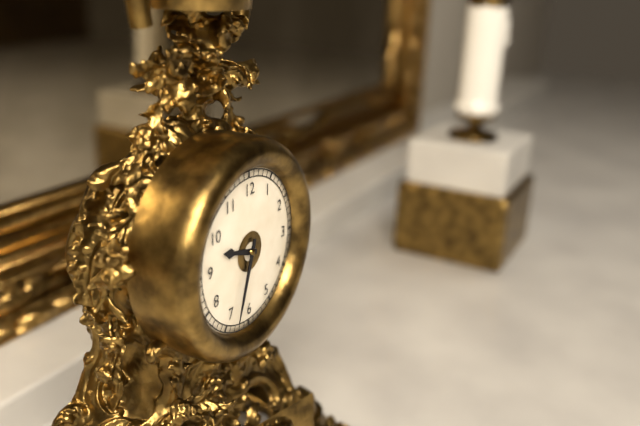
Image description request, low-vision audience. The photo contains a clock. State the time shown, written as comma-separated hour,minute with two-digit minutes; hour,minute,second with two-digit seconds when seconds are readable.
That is 9,33
